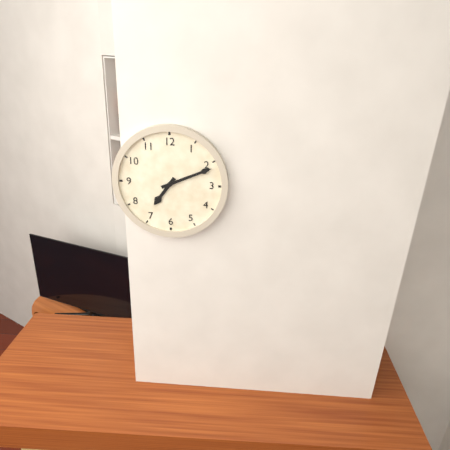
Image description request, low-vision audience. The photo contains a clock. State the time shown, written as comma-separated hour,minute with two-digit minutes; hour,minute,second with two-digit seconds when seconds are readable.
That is 7,11
